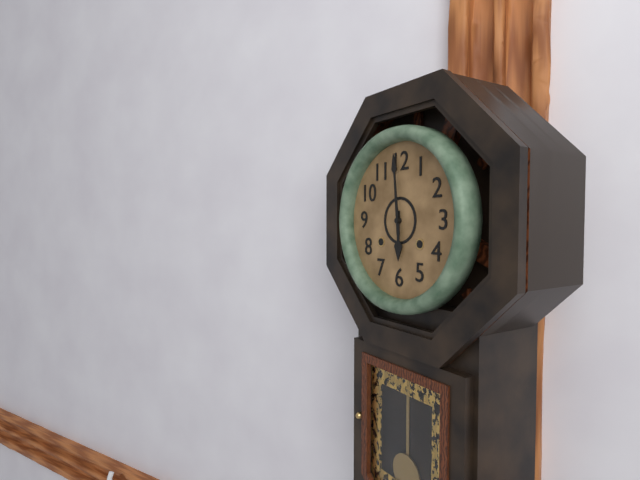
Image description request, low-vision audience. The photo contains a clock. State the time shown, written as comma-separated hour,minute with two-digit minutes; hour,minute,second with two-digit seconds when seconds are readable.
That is 5,59
